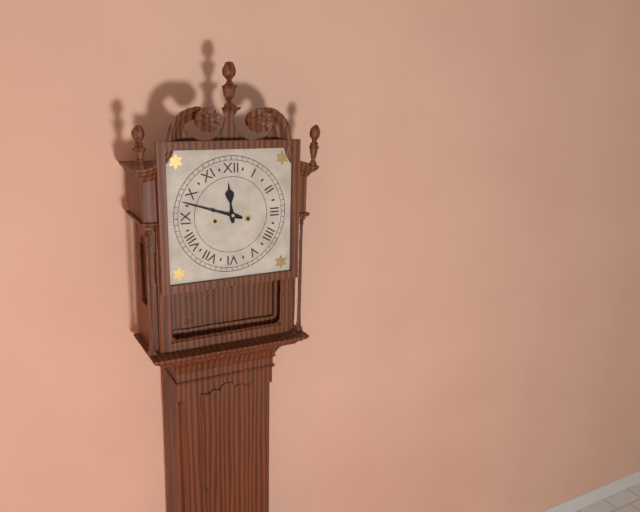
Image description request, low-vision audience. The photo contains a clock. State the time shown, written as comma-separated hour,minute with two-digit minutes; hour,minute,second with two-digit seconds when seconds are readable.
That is 11,48
